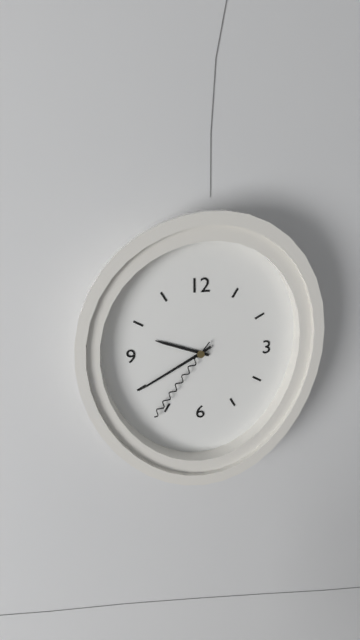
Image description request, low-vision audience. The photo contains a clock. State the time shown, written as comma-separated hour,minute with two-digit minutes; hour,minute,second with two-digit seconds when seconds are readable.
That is 9,40,36
